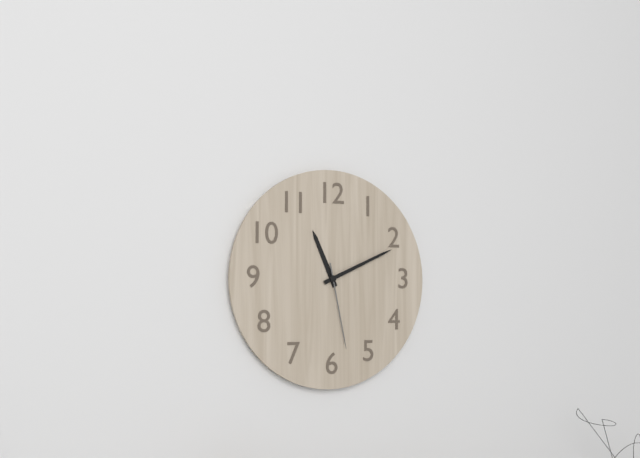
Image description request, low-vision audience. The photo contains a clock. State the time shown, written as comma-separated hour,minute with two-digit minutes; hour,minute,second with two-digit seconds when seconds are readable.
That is 11,11,28
